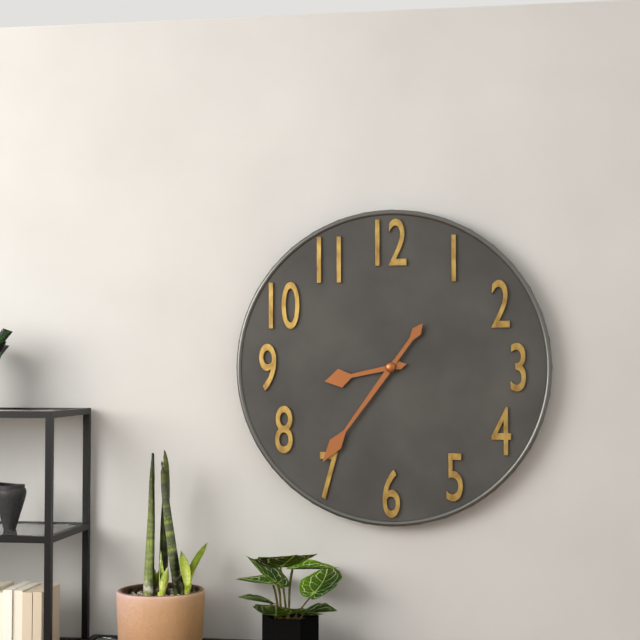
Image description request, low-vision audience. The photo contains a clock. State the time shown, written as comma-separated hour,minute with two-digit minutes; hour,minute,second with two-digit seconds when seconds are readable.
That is 8,36
